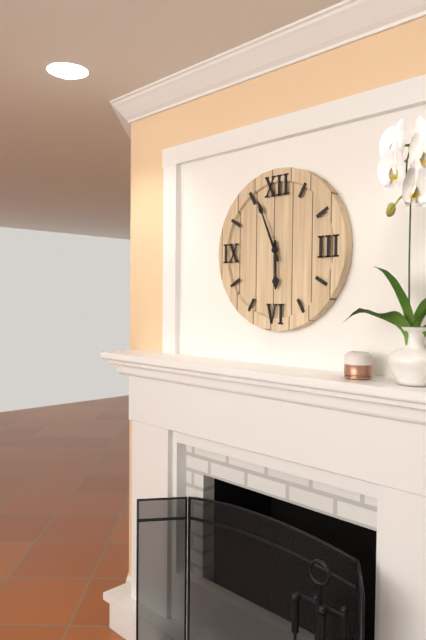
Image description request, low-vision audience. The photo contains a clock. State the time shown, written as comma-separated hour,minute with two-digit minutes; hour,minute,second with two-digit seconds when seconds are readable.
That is 5,56
